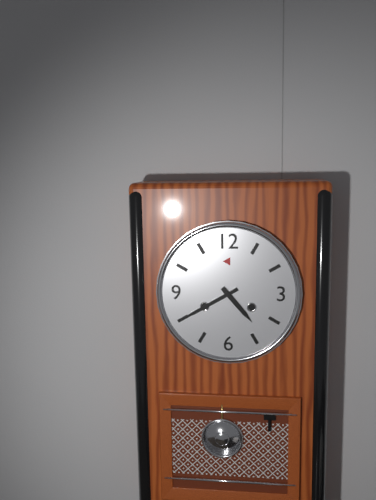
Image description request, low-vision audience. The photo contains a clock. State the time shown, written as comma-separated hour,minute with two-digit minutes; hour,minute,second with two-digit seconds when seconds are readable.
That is 4,40
